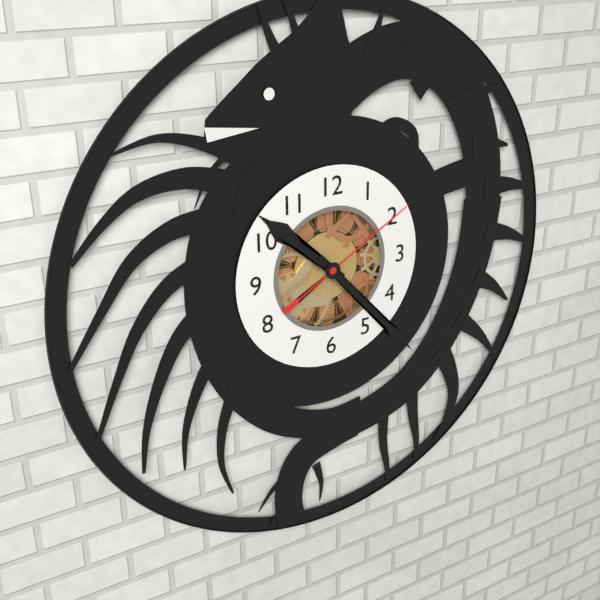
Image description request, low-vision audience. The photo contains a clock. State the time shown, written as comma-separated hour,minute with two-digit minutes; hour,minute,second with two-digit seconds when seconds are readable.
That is 10,23,10
